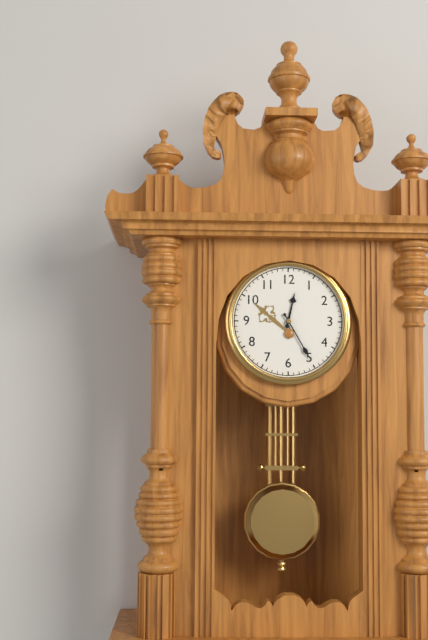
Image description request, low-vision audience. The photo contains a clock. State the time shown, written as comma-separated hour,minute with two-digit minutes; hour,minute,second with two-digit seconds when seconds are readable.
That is 12,25
